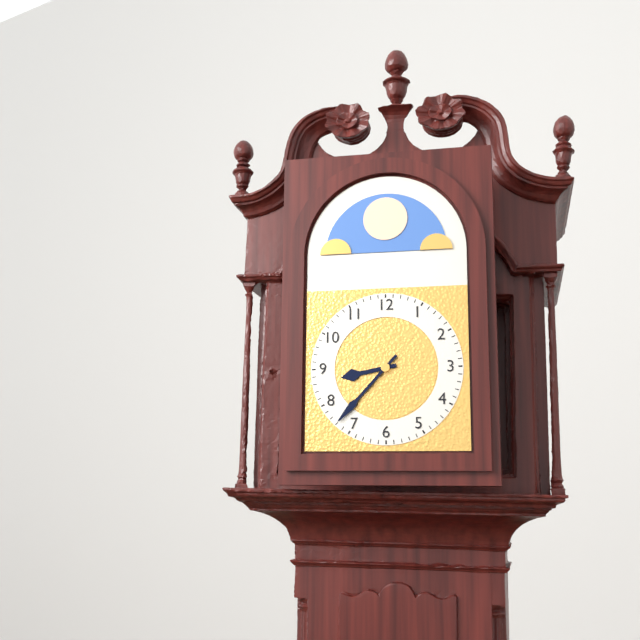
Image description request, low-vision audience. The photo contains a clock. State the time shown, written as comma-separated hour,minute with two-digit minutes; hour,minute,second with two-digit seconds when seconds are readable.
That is 8,37
